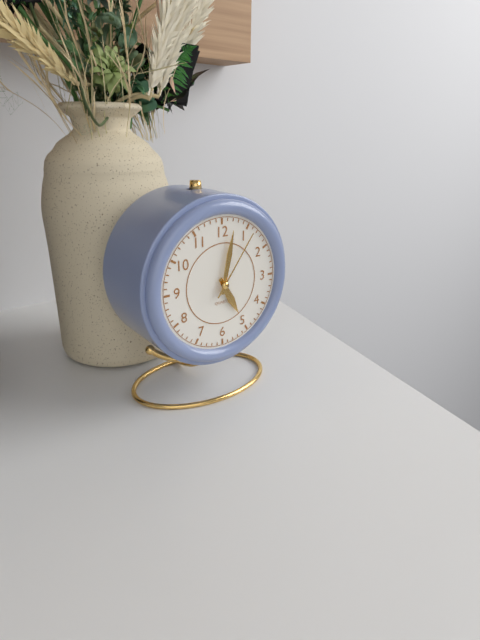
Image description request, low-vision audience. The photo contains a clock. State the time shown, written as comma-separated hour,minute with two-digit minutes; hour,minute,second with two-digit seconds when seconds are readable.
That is 5,02,06
